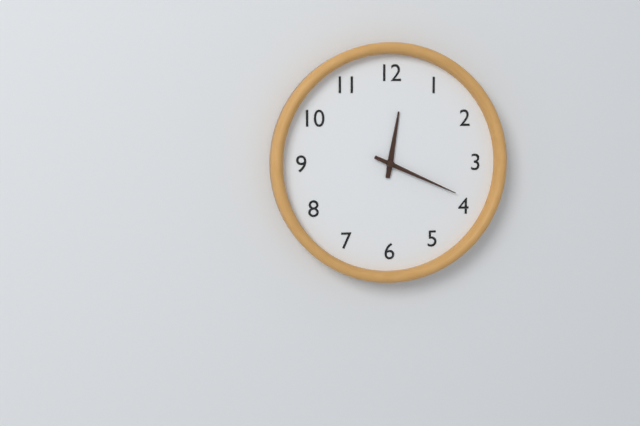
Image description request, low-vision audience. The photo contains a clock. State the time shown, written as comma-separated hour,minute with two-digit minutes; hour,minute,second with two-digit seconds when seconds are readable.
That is 12,19
